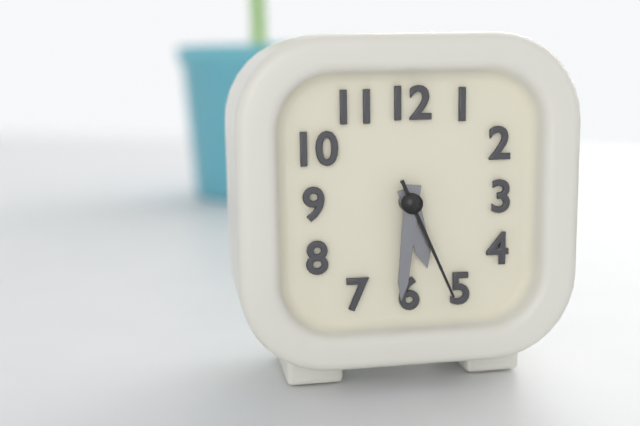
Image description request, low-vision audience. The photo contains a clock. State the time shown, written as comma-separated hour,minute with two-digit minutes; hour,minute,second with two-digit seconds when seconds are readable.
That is 5,31,26
